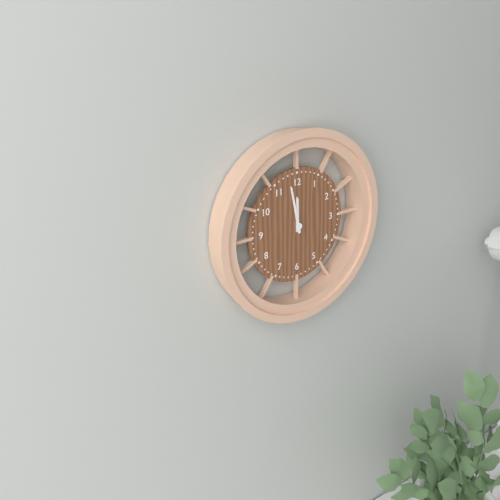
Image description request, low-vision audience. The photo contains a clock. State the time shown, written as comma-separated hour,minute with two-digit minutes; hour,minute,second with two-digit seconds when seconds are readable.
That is 11,58
